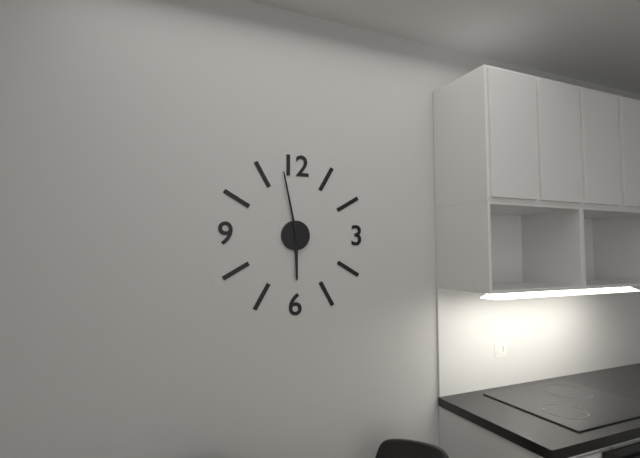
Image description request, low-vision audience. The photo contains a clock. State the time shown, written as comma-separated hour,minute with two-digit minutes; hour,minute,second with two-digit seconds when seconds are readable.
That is 5,58
